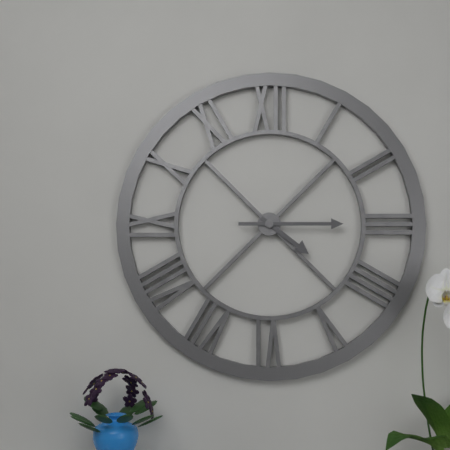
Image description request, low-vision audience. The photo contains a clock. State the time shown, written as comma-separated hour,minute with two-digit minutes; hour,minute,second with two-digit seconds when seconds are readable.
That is 4,15
